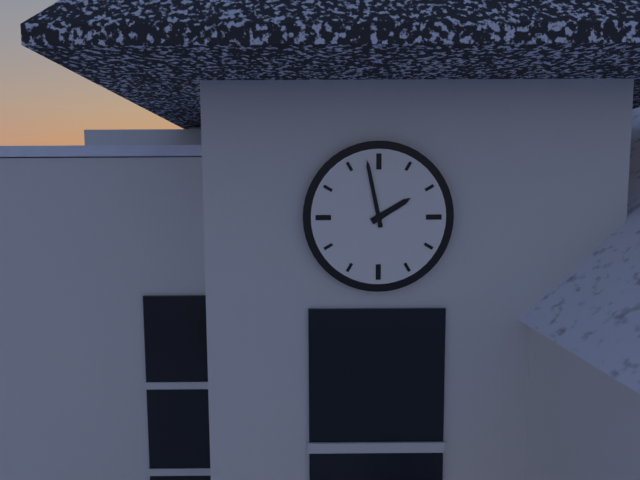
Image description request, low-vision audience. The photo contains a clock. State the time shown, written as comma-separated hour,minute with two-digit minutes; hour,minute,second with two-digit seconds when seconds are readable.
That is 1,58
